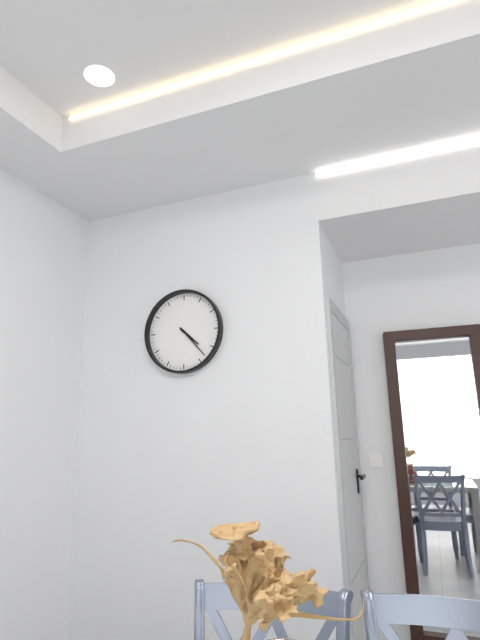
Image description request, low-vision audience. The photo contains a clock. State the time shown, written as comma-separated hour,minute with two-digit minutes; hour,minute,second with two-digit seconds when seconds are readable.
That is 4,23
